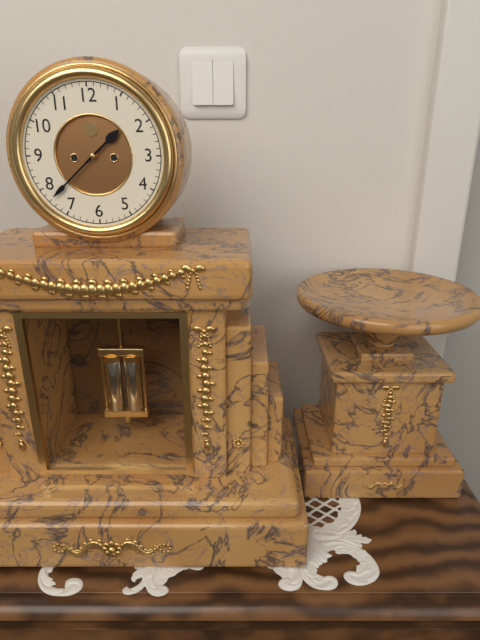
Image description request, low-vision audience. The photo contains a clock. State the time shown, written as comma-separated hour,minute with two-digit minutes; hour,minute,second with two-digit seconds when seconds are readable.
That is 1,38
